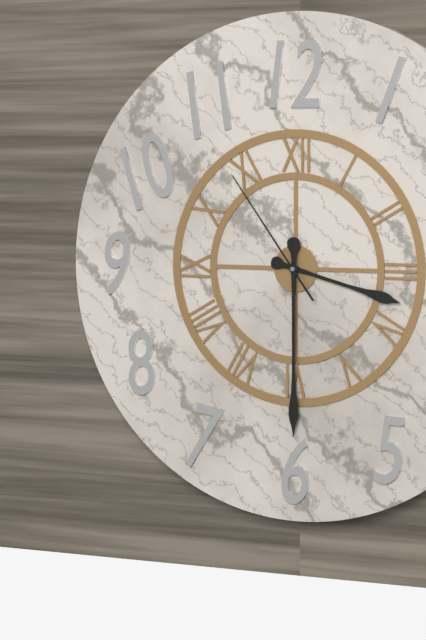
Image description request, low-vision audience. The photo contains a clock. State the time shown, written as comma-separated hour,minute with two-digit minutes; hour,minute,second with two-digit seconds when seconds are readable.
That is 3,30,54
